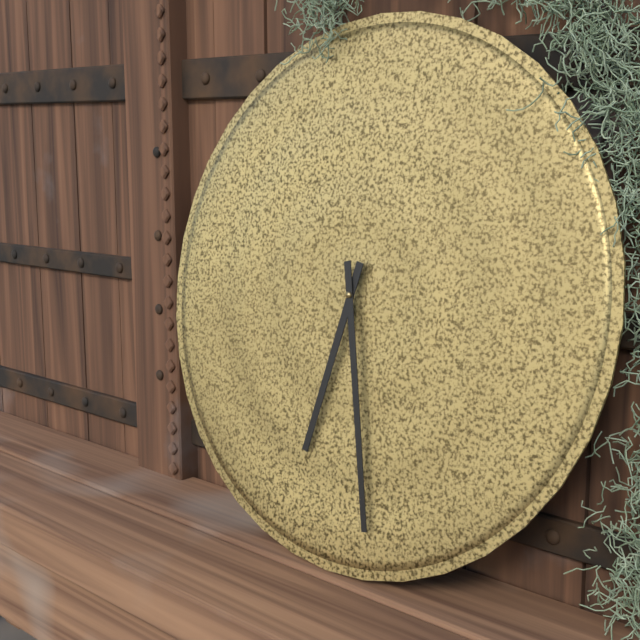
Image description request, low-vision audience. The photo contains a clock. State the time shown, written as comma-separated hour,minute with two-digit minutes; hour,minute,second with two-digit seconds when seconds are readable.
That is 6,28
